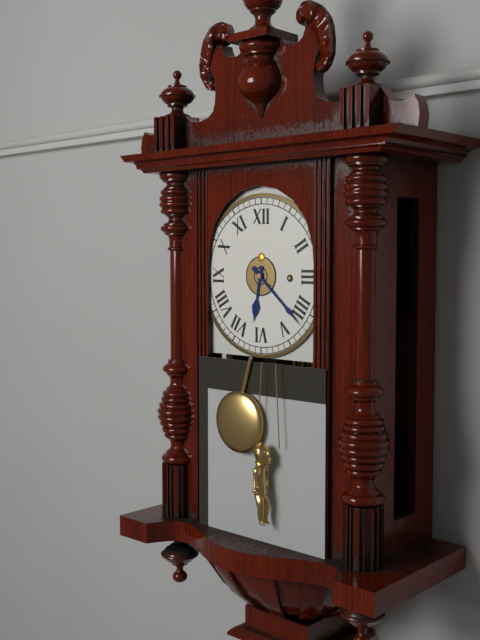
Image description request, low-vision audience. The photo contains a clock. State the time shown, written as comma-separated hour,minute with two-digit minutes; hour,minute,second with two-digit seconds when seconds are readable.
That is 6,22
